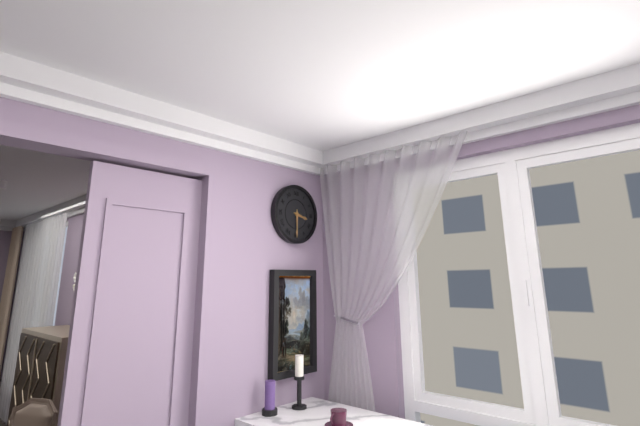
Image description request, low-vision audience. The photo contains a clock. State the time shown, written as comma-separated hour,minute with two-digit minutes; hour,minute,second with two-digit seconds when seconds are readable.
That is 3,30
